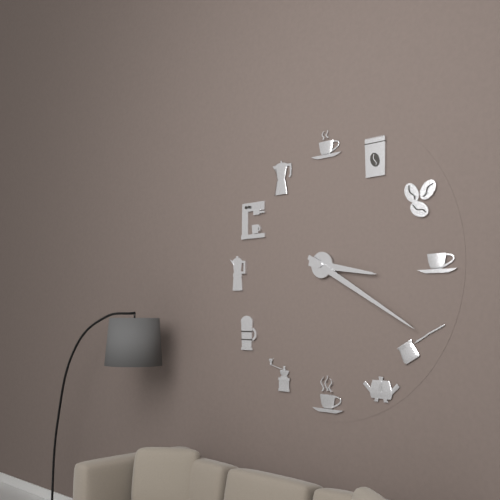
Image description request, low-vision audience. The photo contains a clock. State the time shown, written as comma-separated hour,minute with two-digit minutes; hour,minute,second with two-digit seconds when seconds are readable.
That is 3,20
